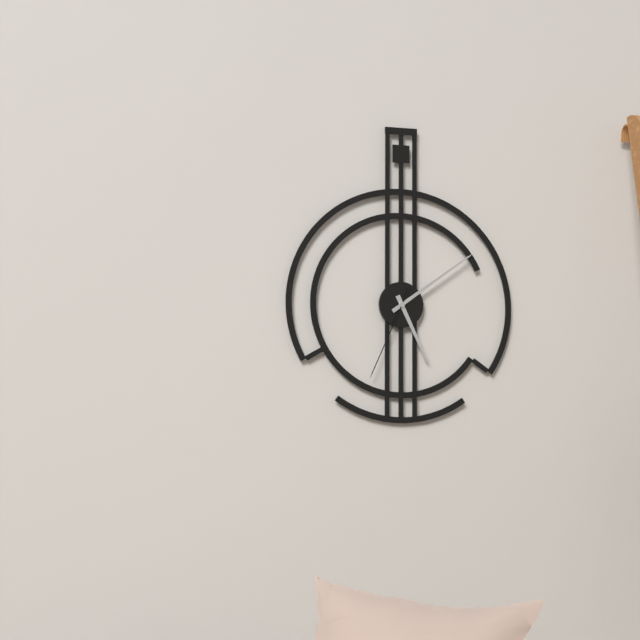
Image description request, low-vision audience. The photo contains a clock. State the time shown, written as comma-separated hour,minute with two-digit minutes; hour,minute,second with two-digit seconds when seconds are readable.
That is 5,09,34
